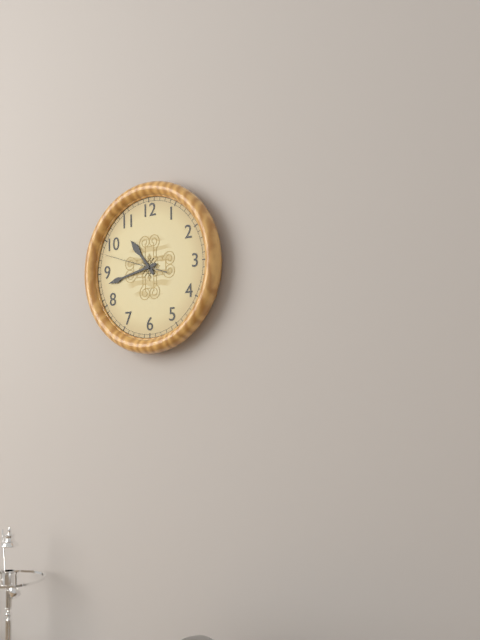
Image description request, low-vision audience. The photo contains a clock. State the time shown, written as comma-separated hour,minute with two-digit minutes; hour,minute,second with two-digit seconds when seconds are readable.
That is 10,43,48
